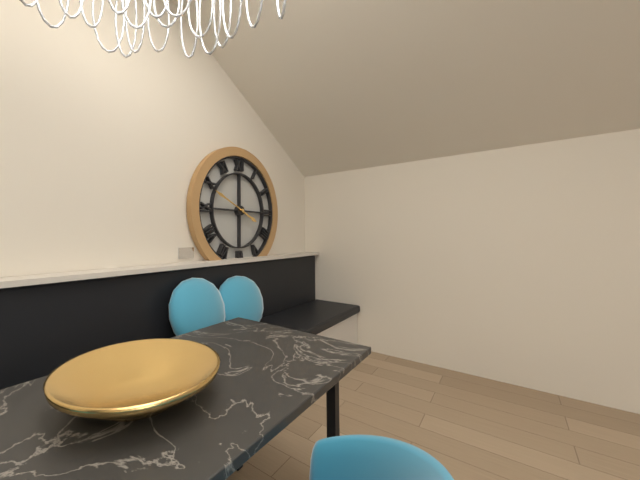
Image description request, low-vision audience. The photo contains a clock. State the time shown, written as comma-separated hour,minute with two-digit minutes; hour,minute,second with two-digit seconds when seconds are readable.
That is 3,49
